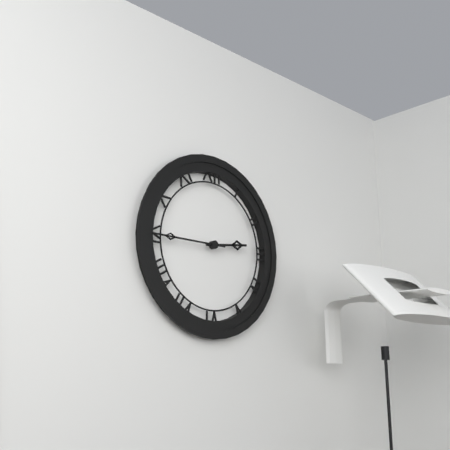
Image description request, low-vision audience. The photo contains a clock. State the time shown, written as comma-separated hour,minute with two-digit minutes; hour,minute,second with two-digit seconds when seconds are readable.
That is 2,45
